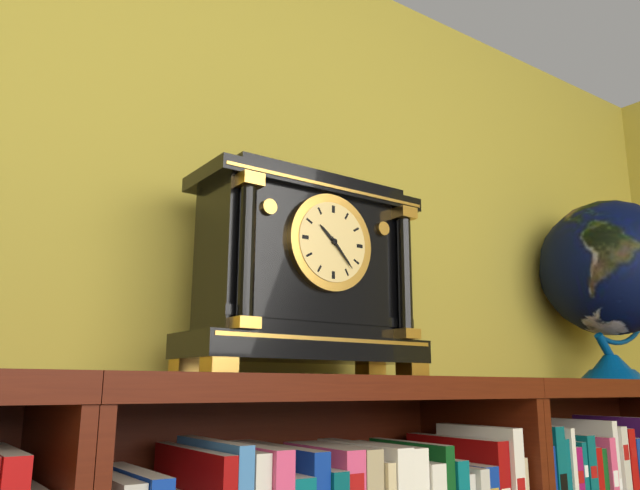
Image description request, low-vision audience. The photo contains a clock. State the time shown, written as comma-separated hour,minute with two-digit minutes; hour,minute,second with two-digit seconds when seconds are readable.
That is 10,23
